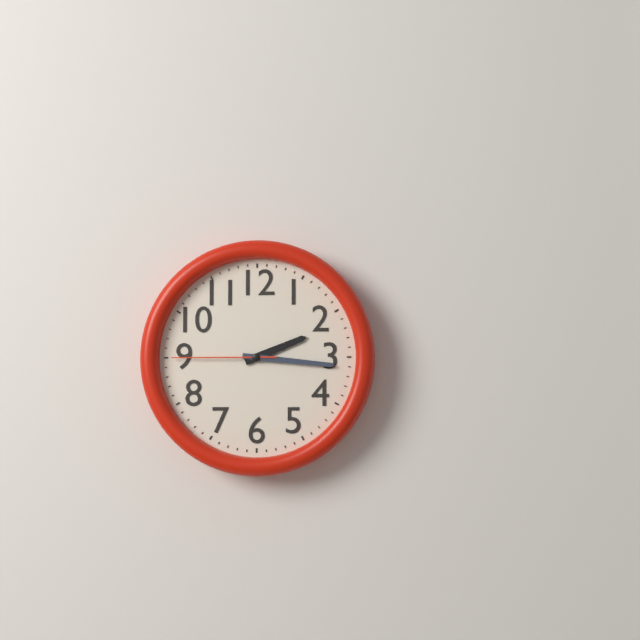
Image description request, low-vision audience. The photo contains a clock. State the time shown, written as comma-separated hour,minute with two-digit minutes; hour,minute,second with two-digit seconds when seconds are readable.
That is 2,16,45
